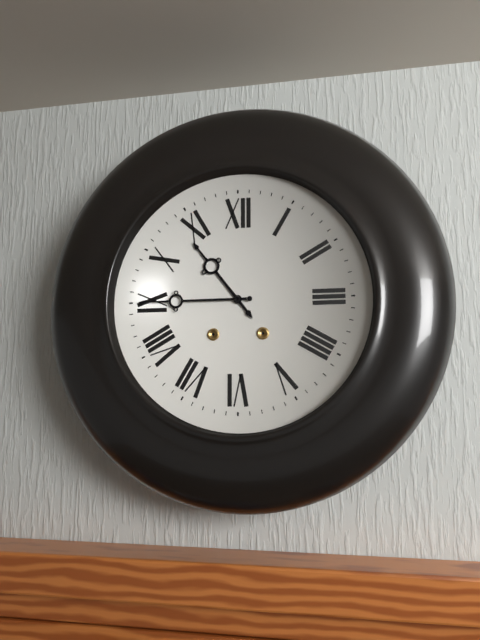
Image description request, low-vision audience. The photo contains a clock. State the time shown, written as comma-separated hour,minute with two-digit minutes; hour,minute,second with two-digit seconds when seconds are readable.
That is 10,45
